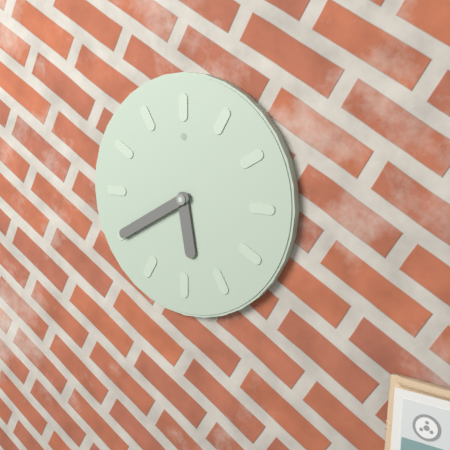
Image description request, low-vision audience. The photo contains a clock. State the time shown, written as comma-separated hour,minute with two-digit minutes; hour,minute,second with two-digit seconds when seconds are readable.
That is 5,40
